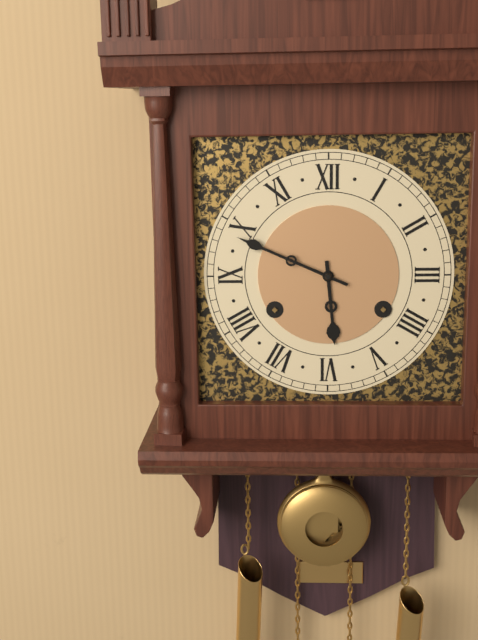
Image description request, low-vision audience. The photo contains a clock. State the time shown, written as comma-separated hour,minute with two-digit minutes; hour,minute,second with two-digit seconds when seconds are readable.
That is 5,49
